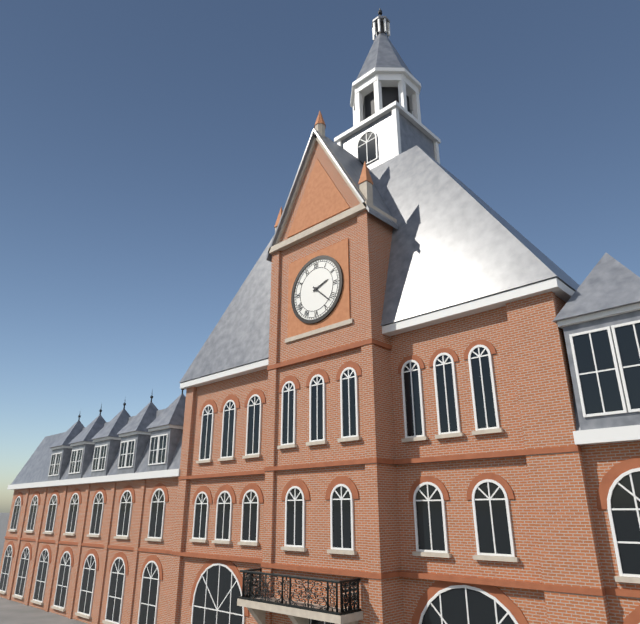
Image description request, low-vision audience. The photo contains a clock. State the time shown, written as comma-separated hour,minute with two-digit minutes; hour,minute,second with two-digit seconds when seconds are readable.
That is 2,22
